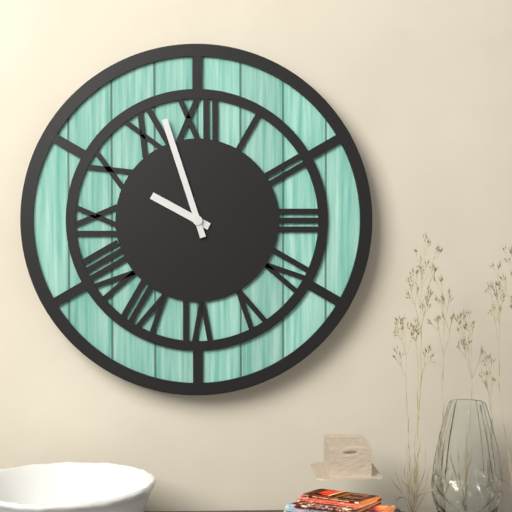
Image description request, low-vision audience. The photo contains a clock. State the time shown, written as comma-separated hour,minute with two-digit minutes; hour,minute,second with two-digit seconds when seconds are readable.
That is 9,57
